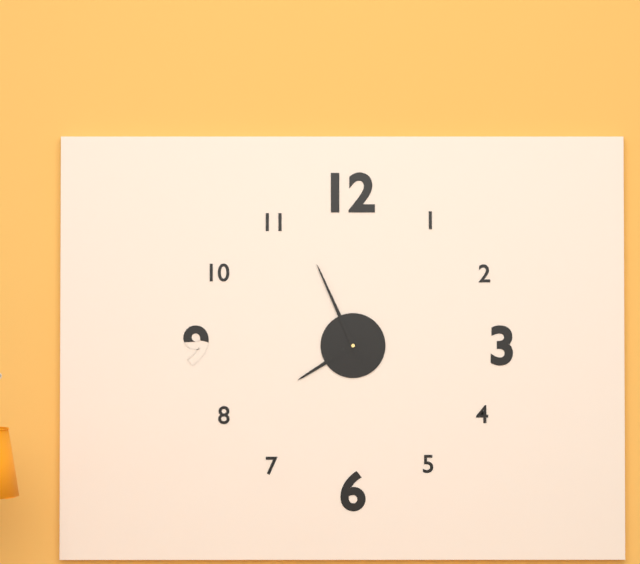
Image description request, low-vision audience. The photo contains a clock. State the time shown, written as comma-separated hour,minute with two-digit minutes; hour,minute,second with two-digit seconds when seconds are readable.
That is 7,56
